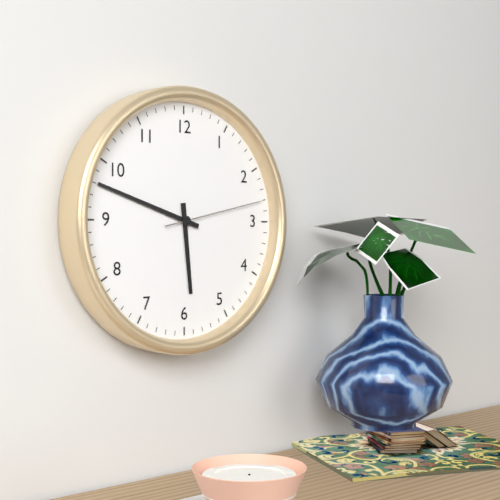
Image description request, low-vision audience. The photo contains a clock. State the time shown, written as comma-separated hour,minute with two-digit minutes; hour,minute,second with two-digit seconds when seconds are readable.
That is 5,48,13
